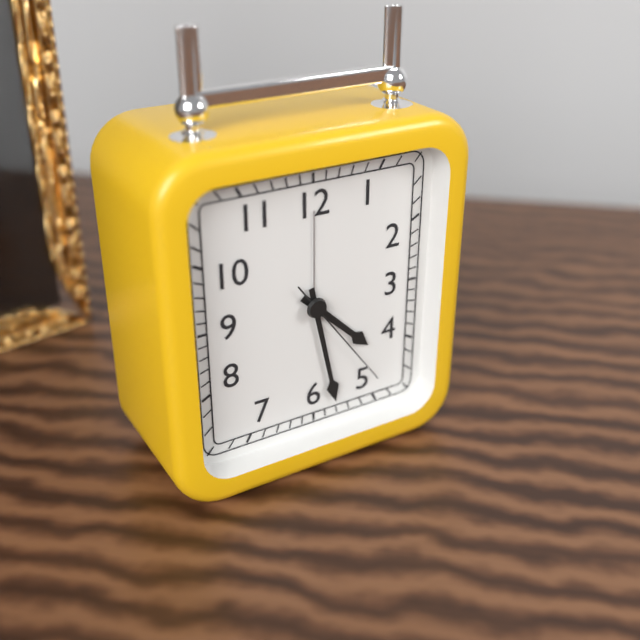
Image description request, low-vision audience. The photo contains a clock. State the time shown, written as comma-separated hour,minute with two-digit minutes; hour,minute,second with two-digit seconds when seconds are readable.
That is 4,28,24
